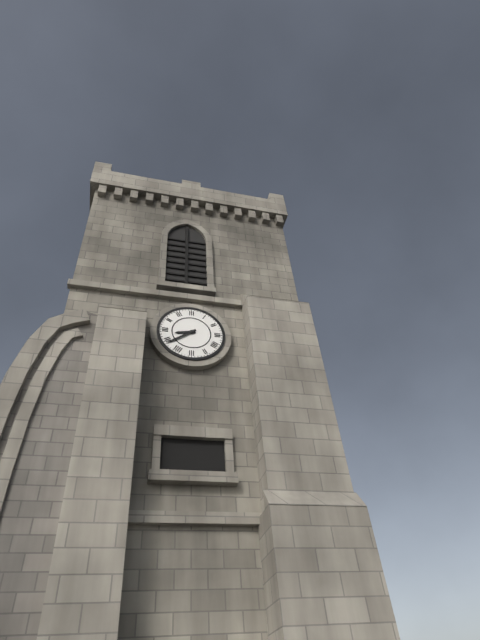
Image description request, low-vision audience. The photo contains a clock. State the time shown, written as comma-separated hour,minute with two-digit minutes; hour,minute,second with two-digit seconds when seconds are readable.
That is 8,39
